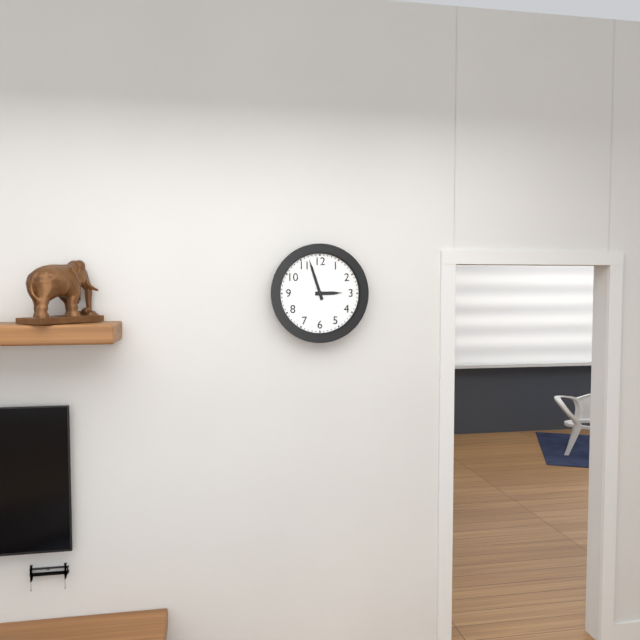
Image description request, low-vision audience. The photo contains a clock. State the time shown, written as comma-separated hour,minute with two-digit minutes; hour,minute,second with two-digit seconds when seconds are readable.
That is 2,57
